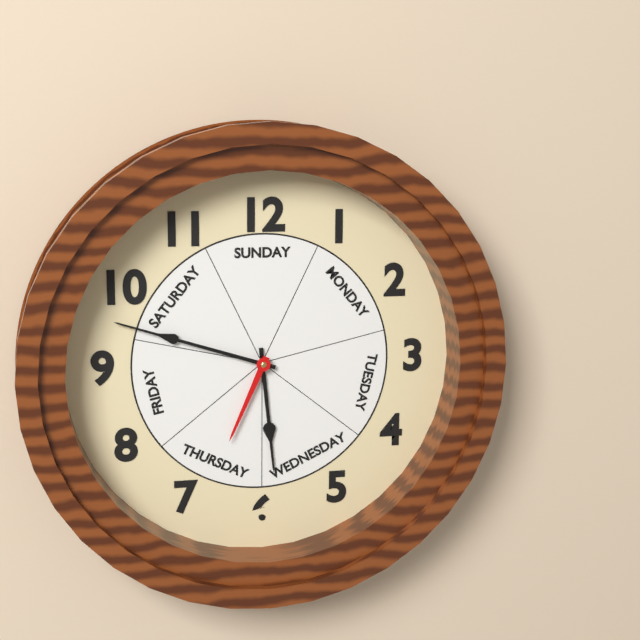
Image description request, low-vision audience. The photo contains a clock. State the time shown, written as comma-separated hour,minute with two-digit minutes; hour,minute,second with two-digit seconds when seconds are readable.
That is 5,48,34
